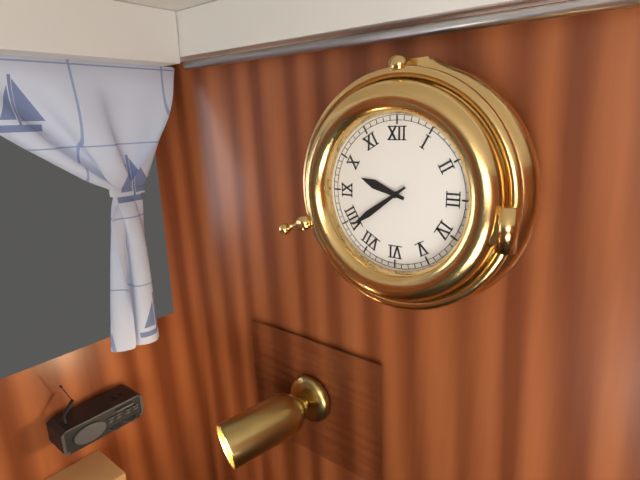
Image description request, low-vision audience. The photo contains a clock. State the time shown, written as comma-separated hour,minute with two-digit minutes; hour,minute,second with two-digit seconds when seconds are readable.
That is 9,39
